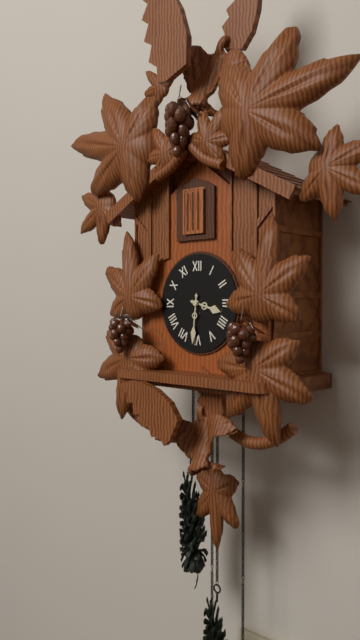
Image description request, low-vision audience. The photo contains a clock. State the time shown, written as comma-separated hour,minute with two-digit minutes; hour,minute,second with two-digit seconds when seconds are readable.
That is 3,31
